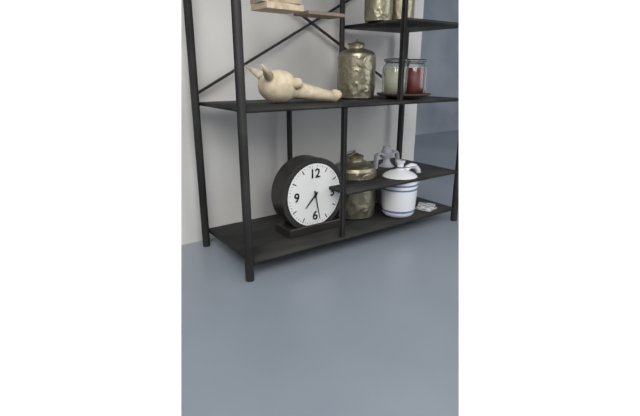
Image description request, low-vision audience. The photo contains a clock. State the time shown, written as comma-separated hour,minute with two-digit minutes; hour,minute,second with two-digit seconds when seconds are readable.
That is 7,28
